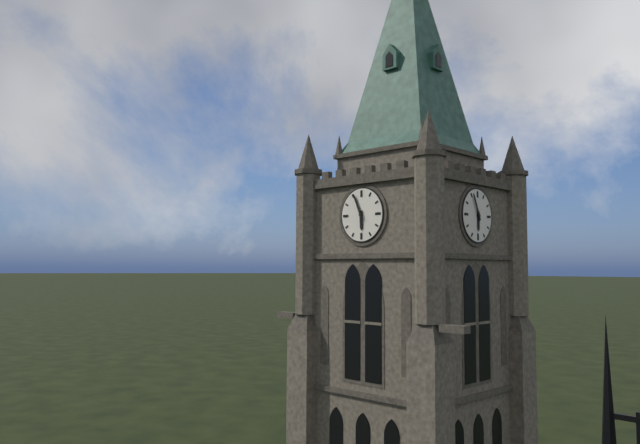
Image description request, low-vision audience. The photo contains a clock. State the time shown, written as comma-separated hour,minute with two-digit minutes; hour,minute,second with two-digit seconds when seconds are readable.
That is 5,56
